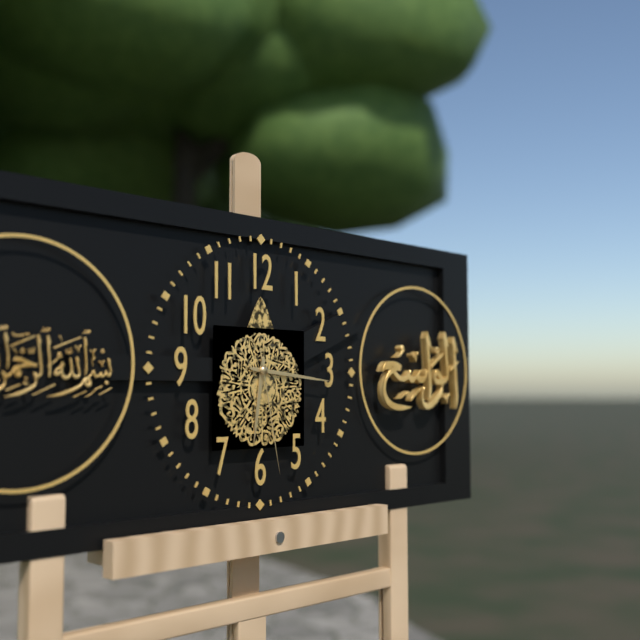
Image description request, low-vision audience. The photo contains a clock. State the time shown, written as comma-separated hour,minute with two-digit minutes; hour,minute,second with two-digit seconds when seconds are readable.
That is 6,16,28
